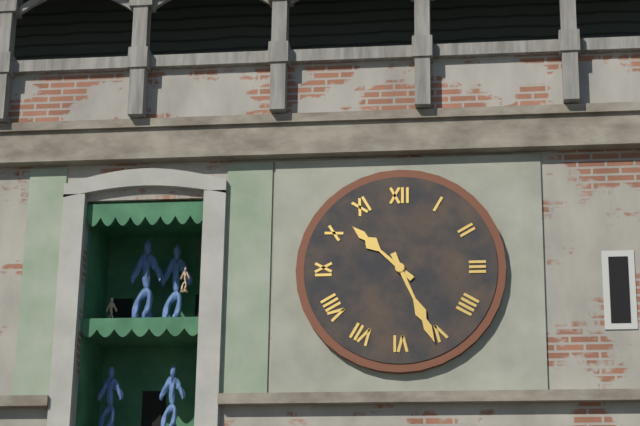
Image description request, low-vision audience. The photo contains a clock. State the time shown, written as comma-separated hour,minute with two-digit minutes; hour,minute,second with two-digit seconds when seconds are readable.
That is 10,26
